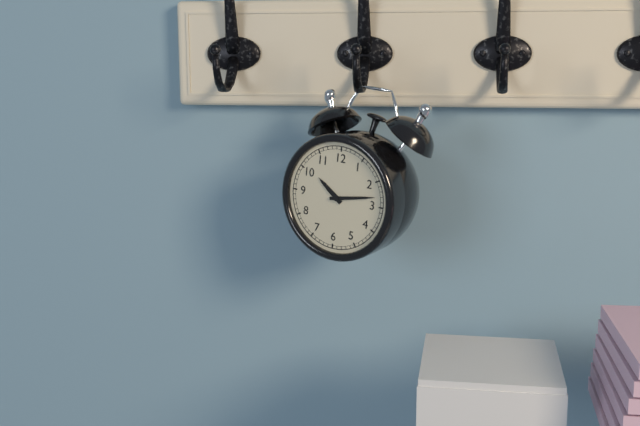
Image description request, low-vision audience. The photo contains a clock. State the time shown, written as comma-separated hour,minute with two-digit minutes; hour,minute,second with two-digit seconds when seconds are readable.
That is 10,13
